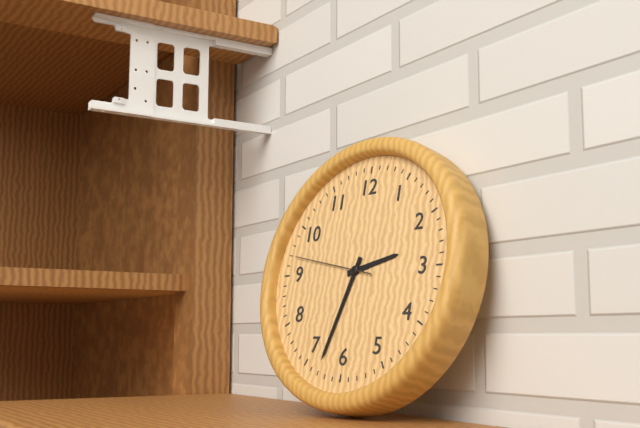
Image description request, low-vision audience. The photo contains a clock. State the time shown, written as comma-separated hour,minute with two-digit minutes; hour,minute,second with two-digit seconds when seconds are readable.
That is 2,33,47
